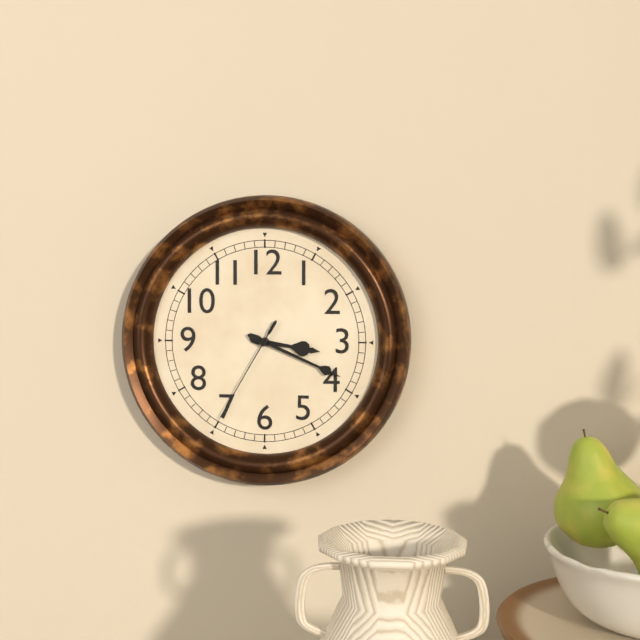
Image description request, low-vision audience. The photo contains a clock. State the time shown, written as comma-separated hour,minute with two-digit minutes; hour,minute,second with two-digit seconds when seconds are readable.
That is 3,19,35
